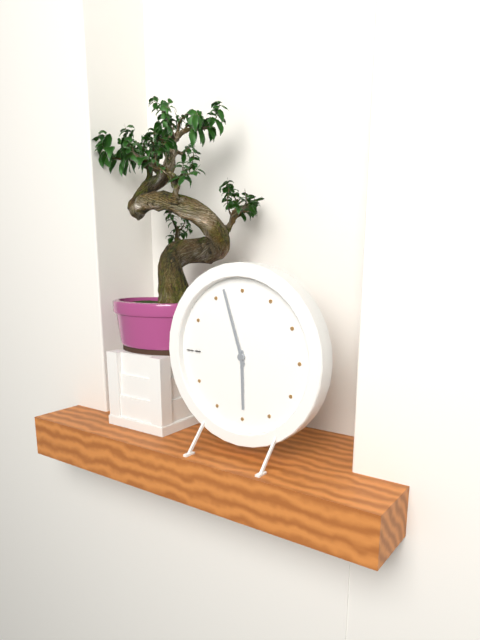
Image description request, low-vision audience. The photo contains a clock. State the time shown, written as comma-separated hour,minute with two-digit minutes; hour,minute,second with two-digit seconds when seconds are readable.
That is 5,57
